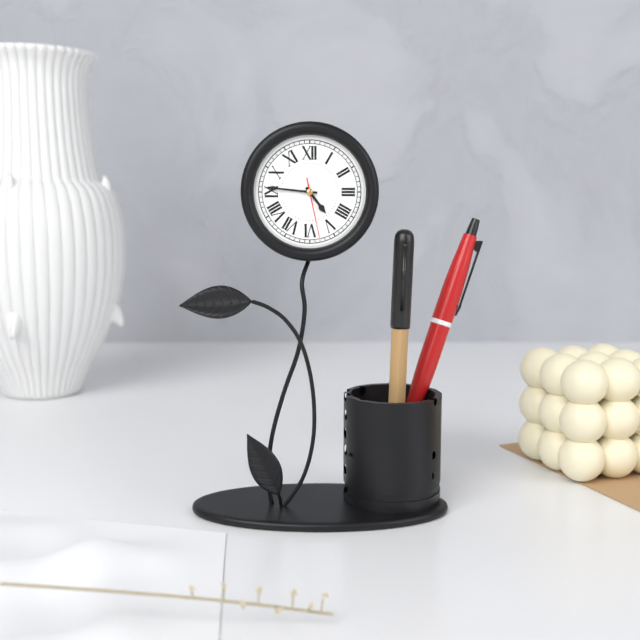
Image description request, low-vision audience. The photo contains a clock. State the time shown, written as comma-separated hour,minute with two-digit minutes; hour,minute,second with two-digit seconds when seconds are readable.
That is 4,46,28
